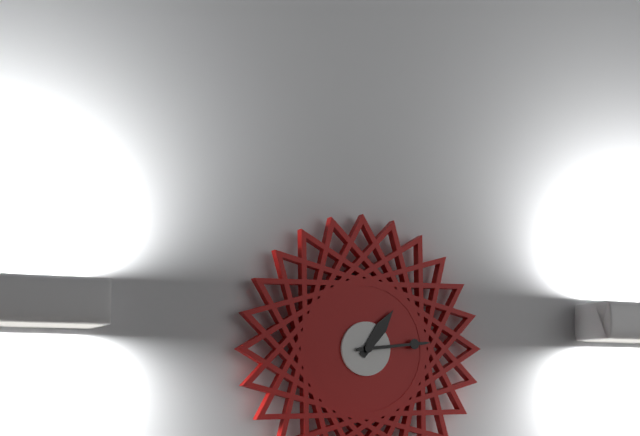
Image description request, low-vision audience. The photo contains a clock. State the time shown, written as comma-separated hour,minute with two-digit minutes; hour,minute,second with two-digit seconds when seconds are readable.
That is 1,14
